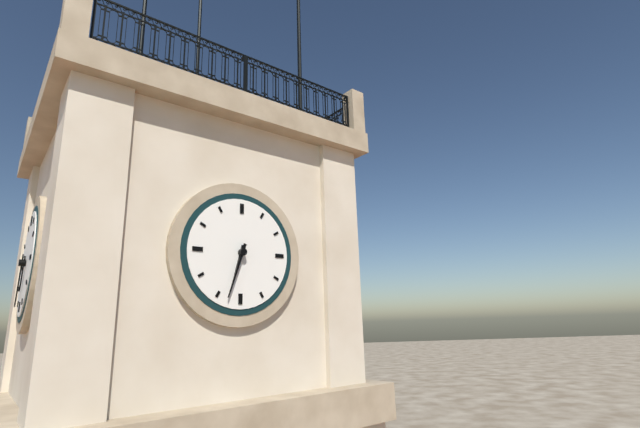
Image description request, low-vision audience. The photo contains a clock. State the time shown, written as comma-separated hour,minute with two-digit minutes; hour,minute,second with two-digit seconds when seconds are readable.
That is 6,33
